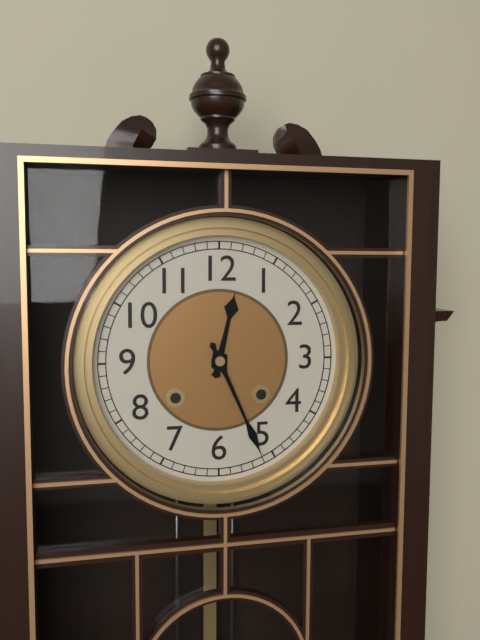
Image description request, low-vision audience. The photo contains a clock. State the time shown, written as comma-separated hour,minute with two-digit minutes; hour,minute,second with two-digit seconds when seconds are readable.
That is 12,26
